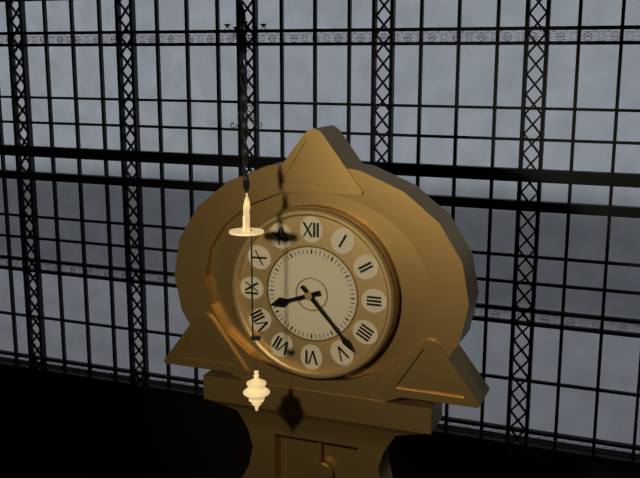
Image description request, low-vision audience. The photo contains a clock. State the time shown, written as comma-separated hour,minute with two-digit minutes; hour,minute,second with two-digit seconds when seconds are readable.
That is 8,23
